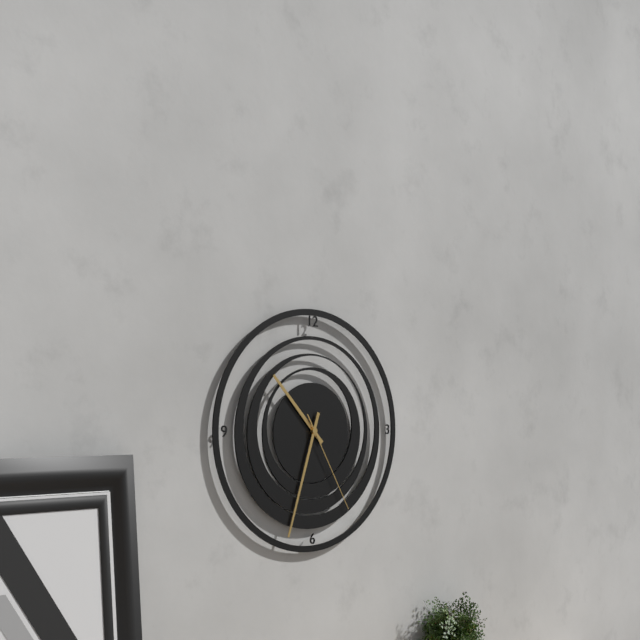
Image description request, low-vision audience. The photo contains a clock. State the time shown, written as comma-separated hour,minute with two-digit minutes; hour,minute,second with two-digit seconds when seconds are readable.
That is 10,33,25
